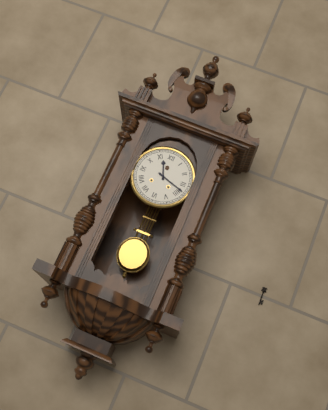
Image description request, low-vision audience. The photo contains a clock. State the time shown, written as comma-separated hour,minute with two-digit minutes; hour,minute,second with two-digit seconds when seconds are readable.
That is 11,18
